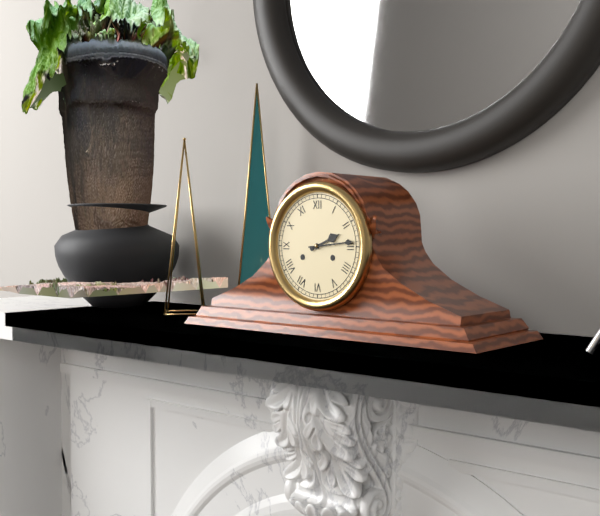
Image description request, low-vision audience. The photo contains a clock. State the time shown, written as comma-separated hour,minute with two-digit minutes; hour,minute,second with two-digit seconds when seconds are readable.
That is 2,14
